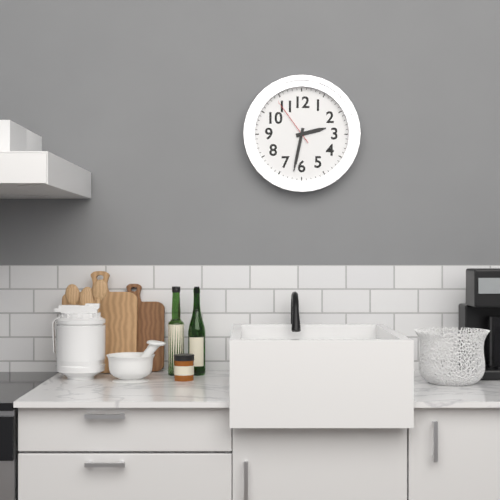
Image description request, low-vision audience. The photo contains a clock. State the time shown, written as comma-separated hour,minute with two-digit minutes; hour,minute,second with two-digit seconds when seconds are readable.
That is 2,32,54
